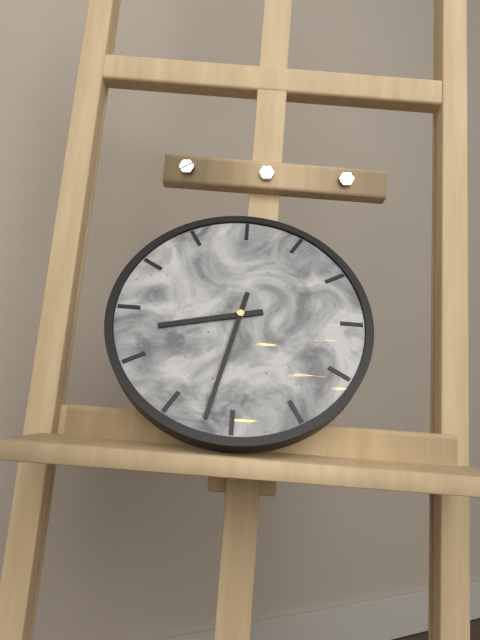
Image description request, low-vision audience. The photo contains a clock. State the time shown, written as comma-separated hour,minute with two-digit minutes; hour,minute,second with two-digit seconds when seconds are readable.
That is 8,32
